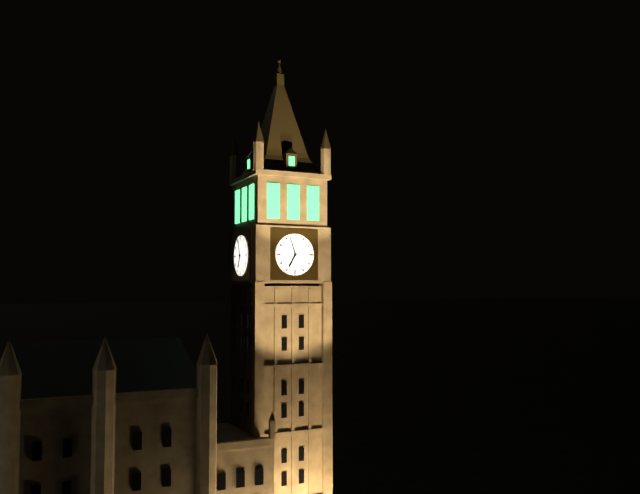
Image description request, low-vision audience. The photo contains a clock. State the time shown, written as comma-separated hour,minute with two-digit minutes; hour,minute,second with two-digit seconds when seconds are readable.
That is 6,57
